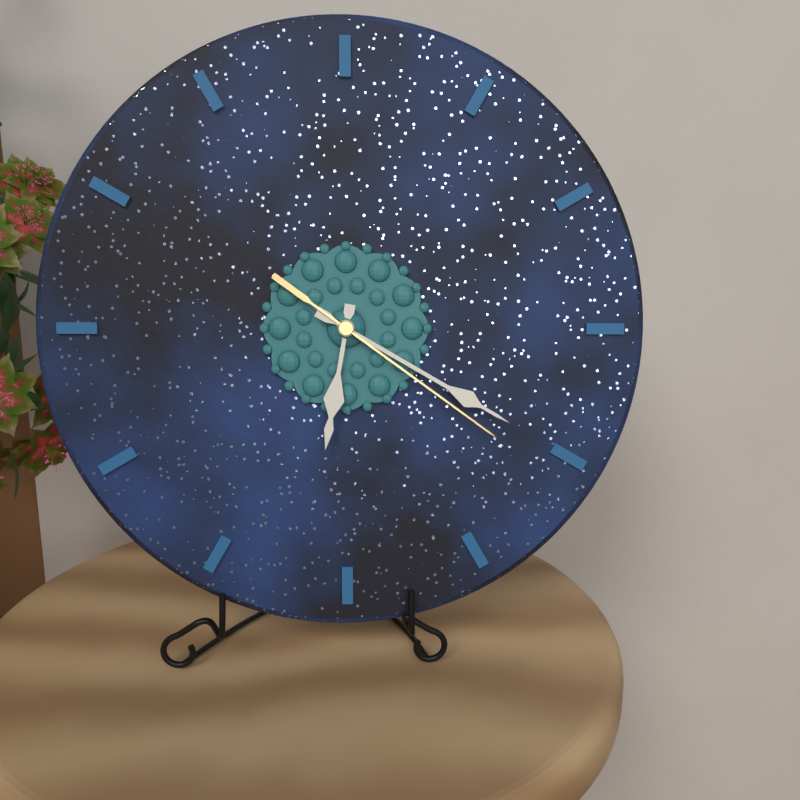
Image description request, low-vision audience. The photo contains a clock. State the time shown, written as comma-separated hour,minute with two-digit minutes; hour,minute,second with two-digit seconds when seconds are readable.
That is 6,20,21
